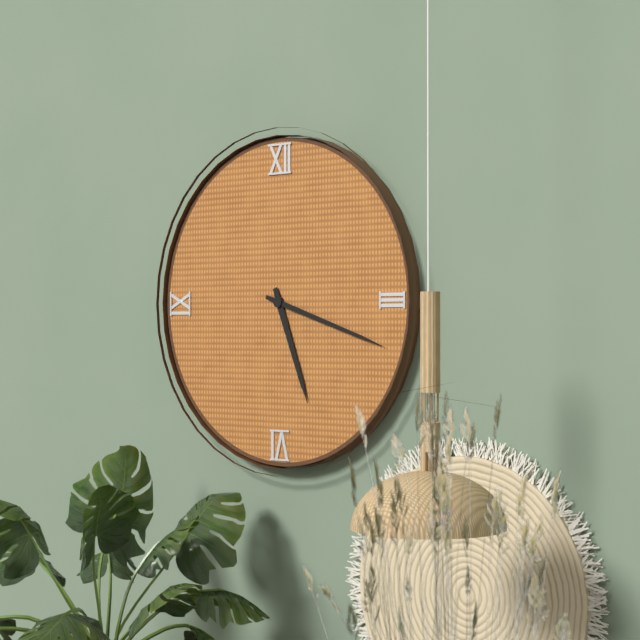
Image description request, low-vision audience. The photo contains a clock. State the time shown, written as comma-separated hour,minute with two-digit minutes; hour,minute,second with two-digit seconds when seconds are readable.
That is 5,18
